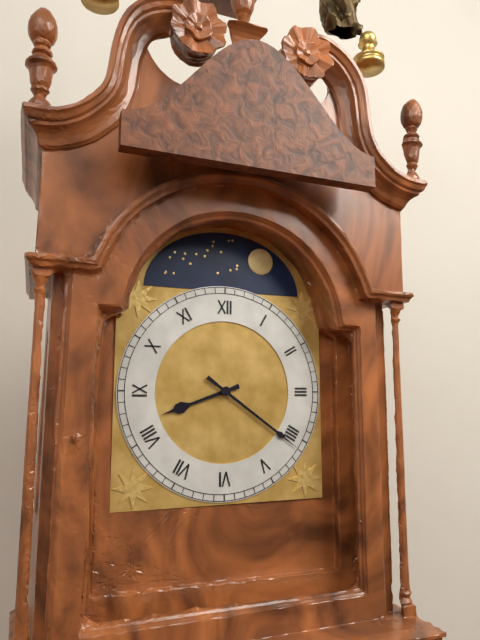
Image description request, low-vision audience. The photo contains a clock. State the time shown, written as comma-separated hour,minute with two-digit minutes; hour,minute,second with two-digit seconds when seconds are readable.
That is 8,21
